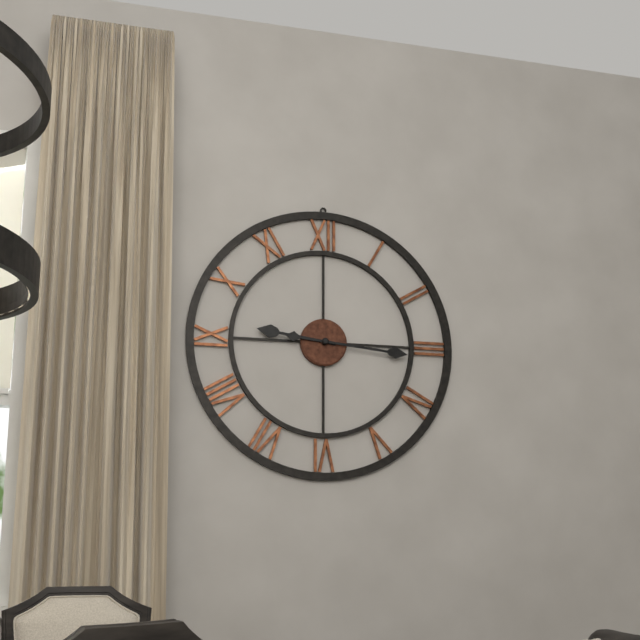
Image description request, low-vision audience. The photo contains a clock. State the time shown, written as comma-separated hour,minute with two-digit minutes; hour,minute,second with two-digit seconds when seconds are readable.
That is 9,16
